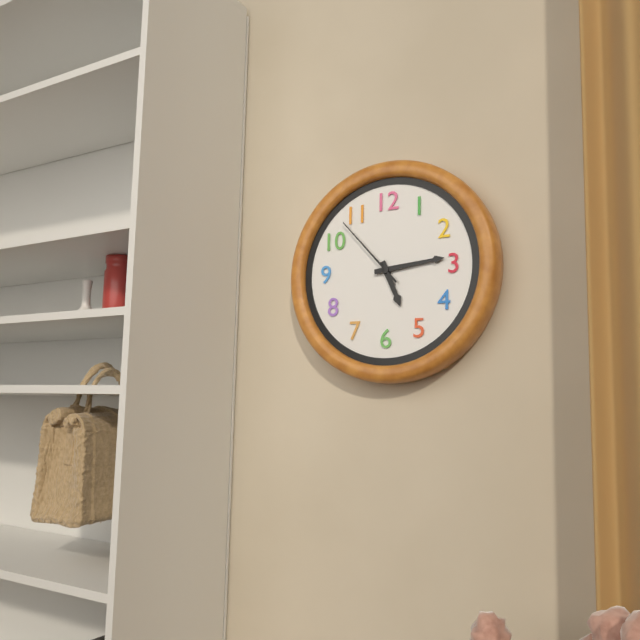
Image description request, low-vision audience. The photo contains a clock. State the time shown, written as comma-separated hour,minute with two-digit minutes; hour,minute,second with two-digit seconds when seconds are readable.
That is 5,14,53
